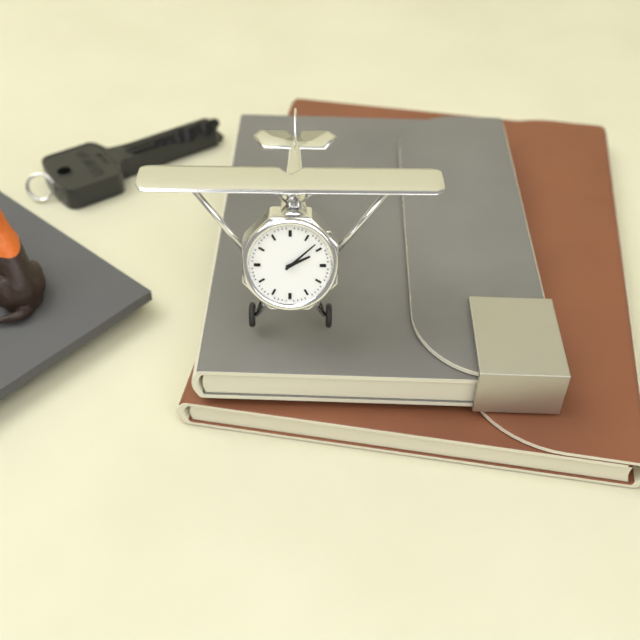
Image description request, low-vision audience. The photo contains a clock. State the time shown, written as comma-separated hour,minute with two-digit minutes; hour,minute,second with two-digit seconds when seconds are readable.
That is 2,08
